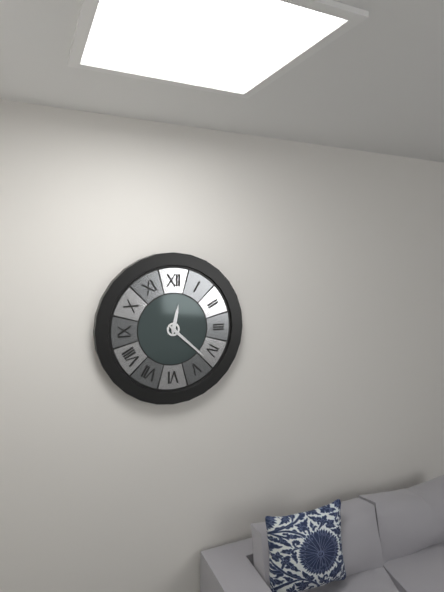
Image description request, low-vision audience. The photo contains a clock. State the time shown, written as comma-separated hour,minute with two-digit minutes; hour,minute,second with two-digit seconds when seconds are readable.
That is 12,22
